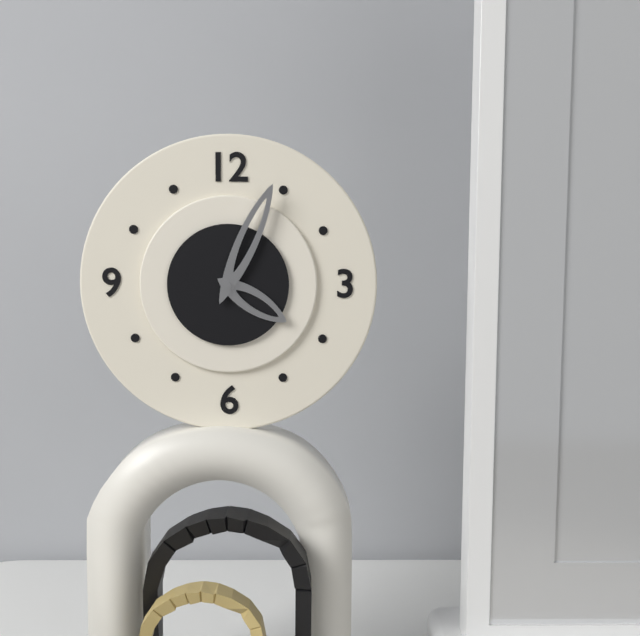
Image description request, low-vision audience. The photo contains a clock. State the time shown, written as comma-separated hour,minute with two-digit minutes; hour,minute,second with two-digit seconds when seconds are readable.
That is 4,04
